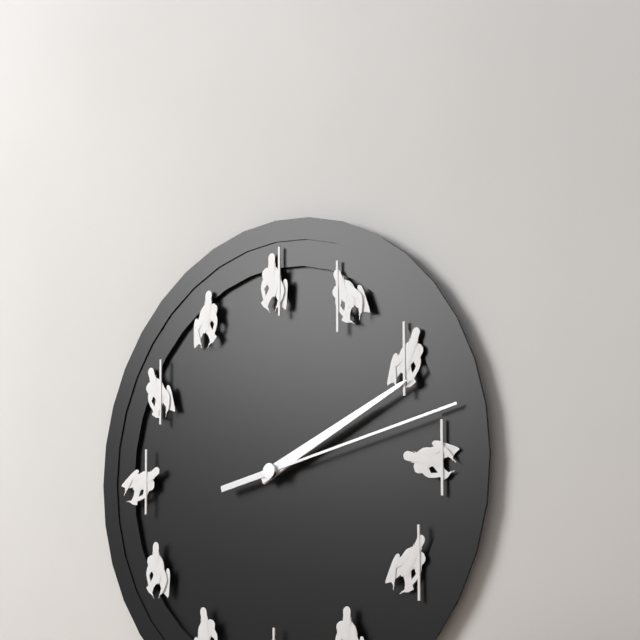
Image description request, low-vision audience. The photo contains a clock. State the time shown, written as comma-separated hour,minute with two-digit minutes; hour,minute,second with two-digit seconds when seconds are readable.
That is 2,11,13
